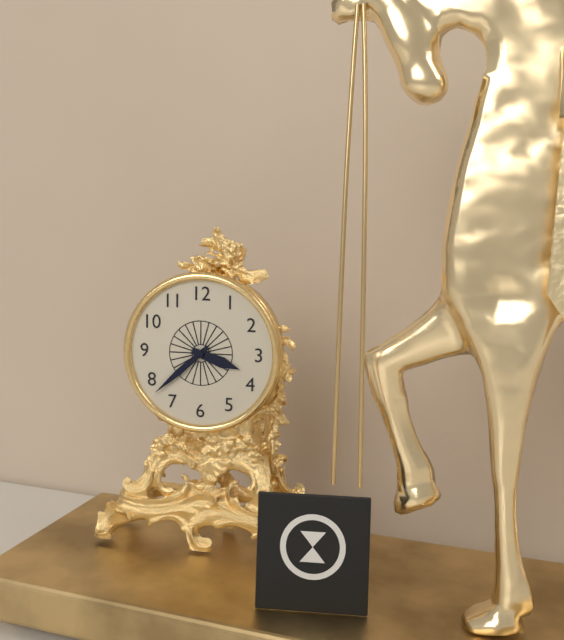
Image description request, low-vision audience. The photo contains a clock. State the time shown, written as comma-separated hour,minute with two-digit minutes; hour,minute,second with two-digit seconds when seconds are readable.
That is 3,38
